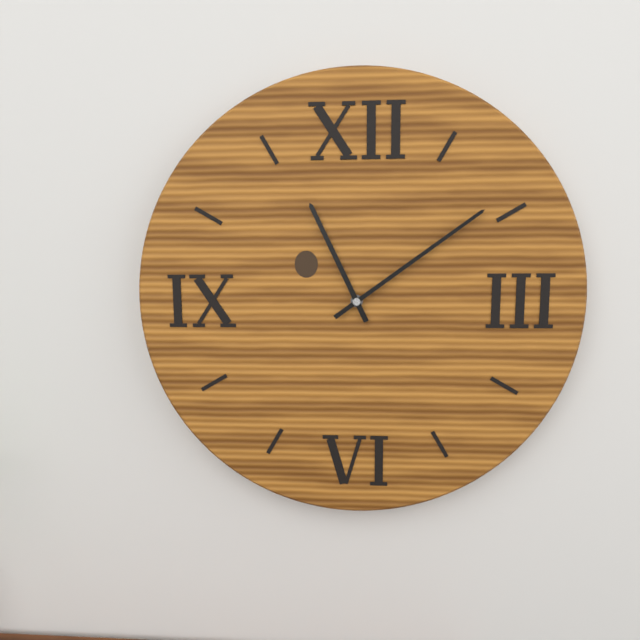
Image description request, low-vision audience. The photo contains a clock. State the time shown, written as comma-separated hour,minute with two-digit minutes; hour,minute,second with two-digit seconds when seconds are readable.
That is 11,09
